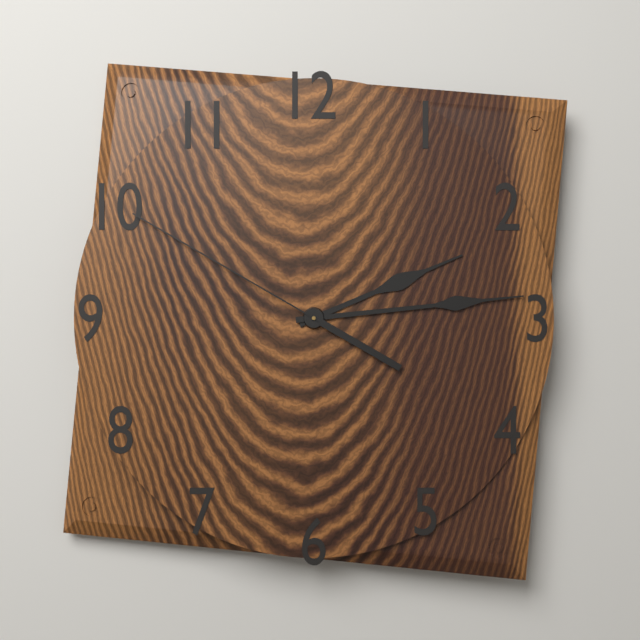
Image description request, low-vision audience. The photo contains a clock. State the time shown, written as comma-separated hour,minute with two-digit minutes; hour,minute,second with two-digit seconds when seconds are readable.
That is 2,14,50
